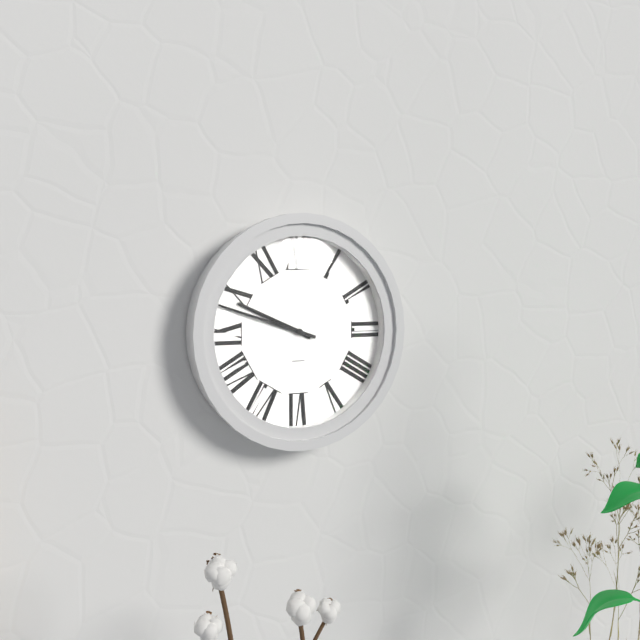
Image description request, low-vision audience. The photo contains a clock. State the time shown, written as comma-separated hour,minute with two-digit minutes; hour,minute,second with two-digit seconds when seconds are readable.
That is 9,48
